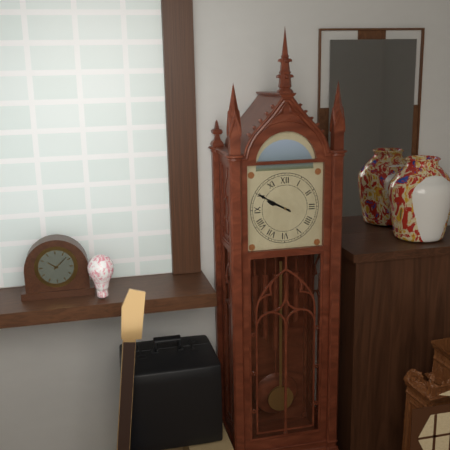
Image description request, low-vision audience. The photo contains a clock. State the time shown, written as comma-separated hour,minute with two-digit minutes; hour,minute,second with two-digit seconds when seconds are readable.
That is 9,50
